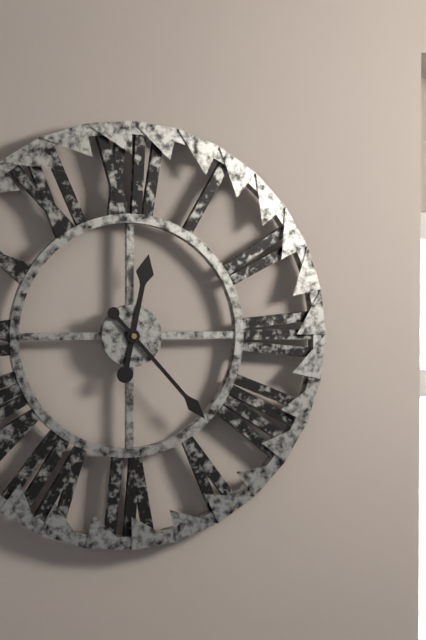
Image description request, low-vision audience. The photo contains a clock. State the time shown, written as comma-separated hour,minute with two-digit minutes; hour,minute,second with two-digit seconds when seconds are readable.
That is 12,23
